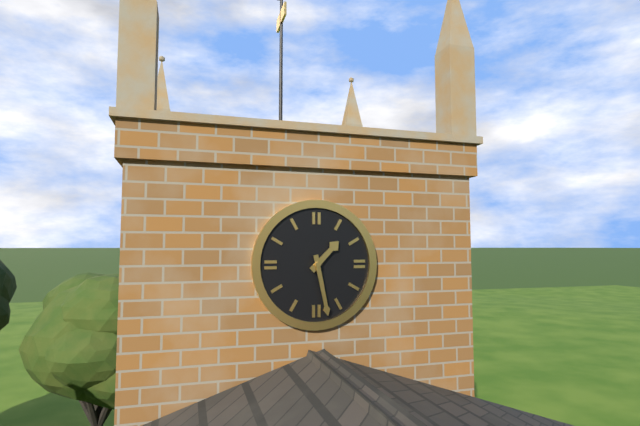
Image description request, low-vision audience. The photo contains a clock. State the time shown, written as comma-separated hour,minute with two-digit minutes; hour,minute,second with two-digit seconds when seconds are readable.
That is 1,28
